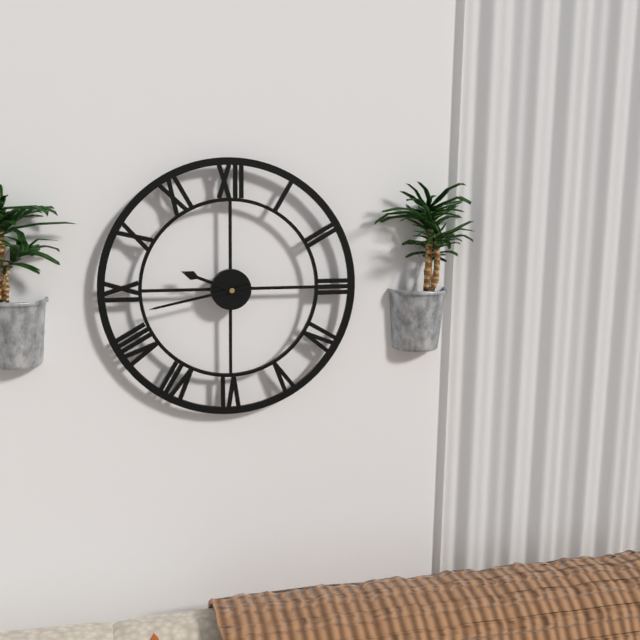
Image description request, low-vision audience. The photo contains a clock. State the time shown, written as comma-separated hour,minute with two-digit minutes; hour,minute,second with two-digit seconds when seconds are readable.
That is 9,43
